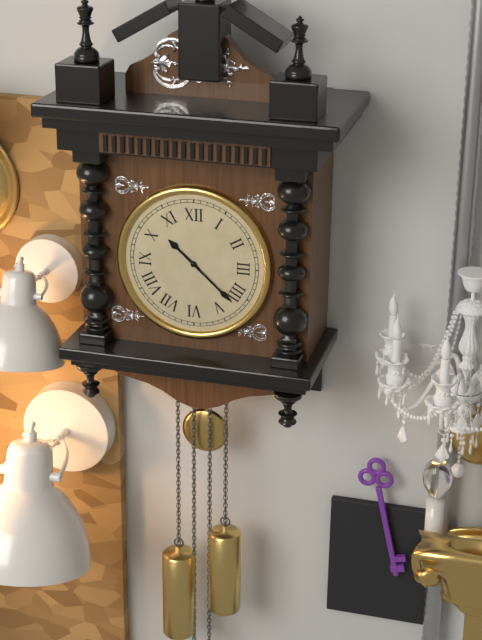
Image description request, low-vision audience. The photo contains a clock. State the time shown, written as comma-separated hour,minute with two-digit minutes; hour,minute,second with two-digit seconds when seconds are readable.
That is 10,22
